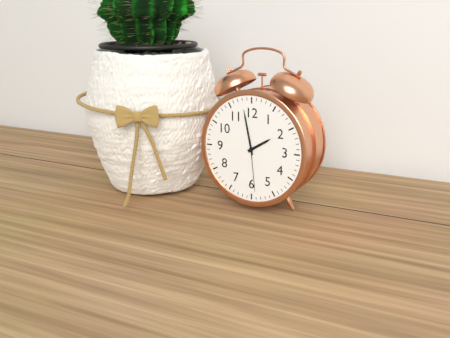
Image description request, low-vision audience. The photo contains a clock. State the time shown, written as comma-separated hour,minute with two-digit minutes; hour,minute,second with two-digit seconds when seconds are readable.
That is 1,58,29
